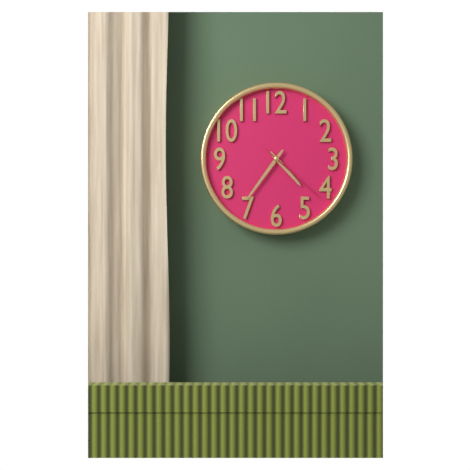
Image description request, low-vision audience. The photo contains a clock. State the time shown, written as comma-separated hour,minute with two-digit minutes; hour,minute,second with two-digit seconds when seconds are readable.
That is 4,36,22
